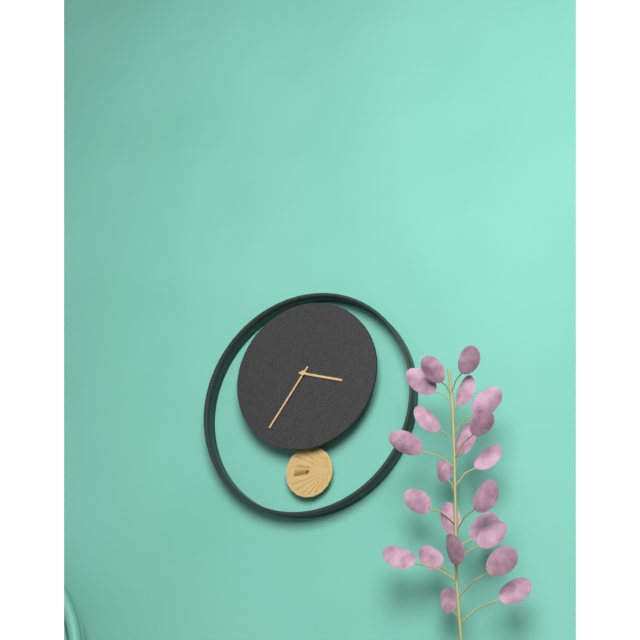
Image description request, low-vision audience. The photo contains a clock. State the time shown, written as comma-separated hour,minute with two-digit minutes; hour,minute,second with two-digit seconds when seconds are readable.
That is 3,36
